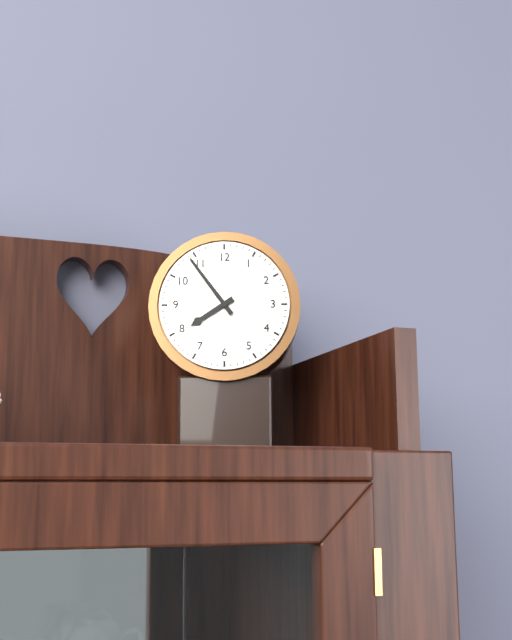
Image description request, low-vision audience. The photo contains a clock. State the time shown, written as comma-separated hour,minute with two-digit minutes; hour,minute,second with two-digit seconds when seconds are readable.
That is 7,54
